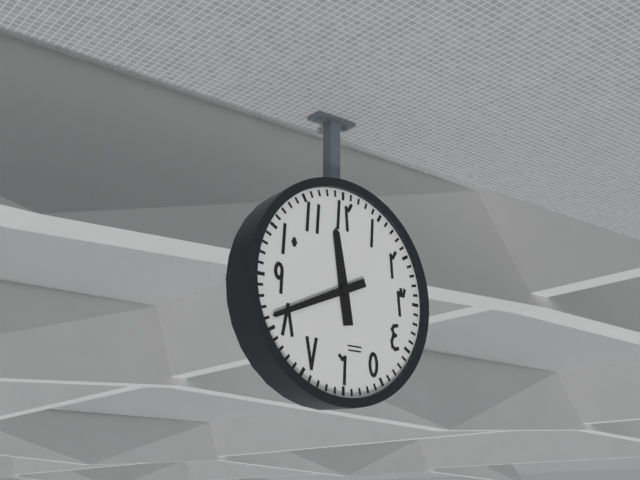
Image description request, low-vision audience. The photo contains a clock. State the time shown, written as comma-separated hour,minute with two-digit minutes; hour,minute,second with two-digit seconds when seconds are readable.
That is 11,41
